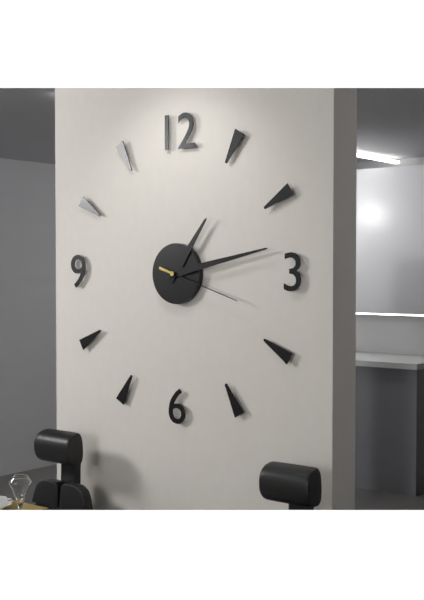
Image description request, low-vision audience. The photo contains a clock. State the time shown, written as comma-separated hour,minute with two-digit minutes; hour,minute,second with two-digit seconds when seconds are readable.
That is 1,13,18
